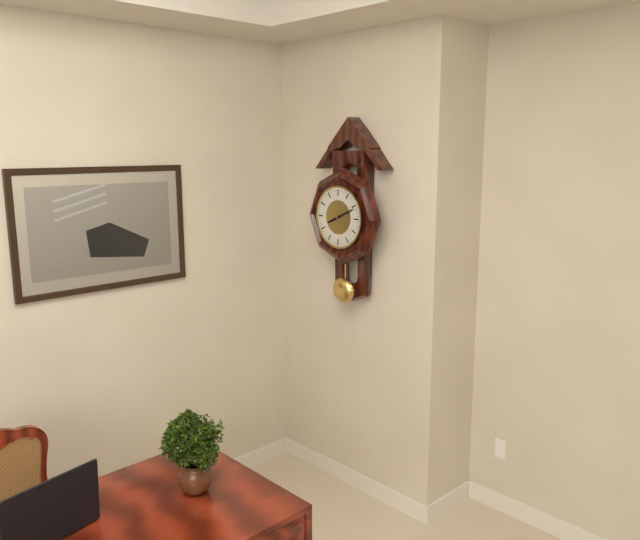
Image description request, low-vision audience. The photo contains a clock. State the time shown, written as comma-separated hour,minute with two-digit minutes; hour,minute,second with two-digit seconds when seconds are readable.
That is 8,11
